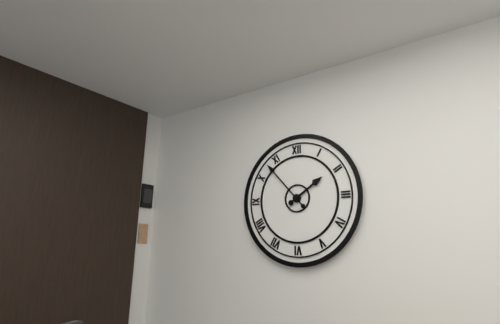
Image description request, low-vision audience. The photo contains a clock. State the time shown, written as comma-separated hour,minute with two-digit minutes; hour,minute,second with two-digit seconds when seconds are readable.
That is 1,53
